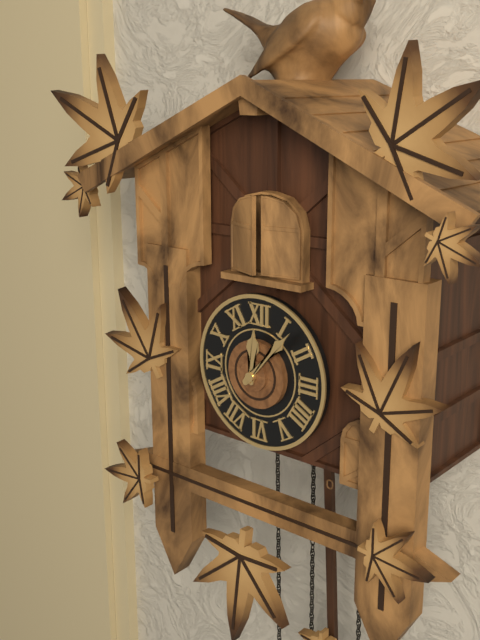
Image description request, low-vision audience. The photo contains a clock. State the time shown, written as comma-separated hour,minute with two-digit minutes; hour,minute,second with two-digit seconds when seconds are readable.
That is 12,07
